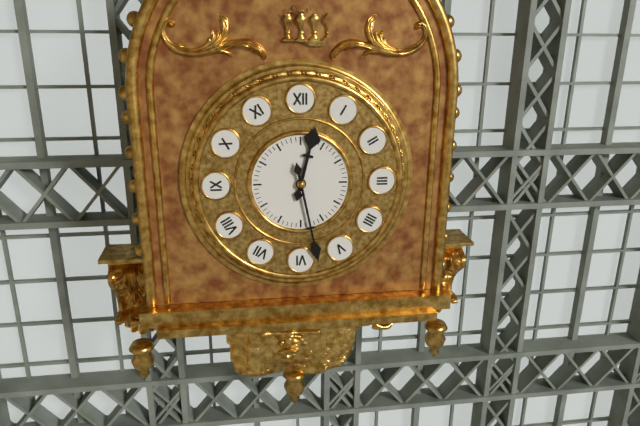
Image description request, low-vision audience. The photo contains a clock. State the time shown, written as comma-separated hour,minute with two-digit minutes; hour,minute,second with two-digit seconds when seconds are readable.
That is 12,28
